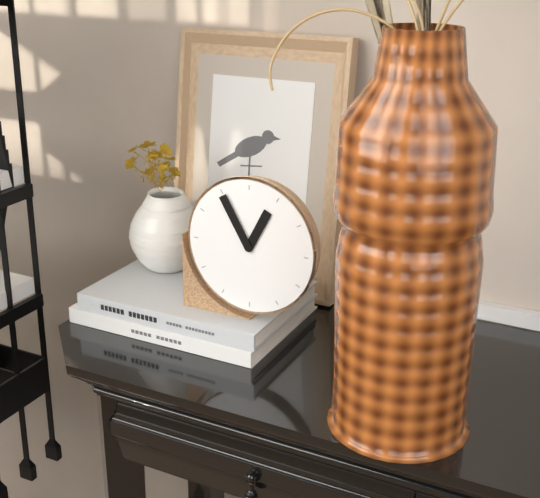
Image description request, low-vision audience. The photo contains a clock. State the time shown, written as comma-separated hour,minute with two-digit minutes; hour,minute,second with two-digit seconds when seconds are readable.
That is 12,55
